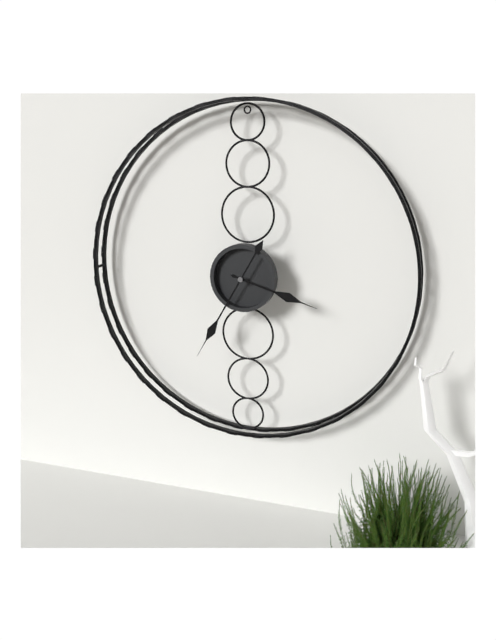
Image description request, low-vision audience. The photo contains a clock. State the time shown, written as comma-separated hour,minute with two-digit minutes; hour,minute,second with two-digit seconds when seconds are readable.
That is 3,35
